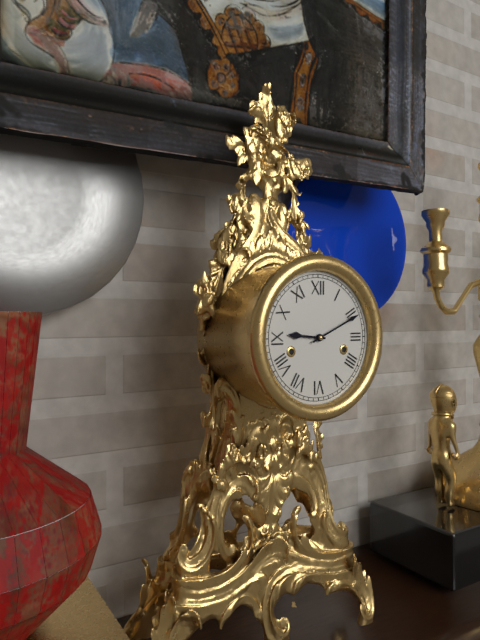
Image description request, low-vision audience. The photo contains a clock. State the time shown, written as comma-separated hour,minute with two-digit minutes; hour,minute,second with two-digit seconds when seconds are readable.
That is 9,11
